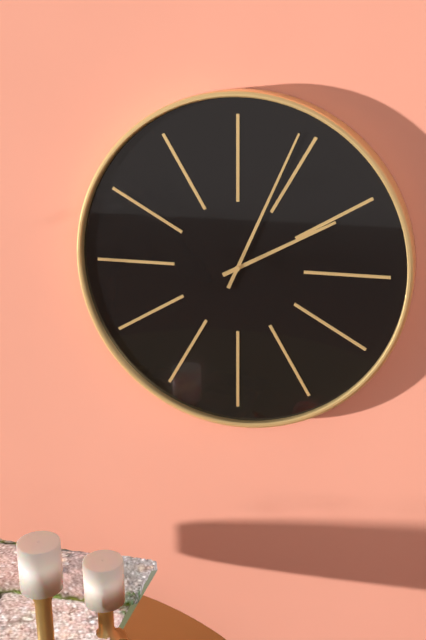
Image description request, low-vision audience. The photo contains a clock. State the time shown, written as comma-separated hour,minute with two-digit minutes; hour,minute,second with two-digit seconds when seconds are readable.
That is 2,04
